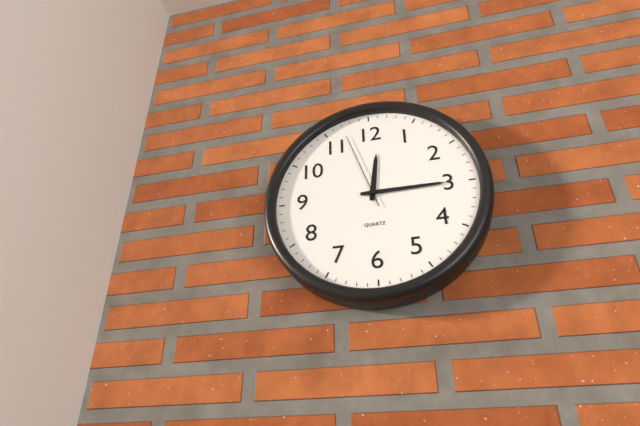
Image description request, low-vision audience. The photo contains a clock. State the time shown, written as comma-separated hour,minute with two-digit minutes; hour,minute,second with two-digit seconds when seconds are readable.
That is 12,15,57
